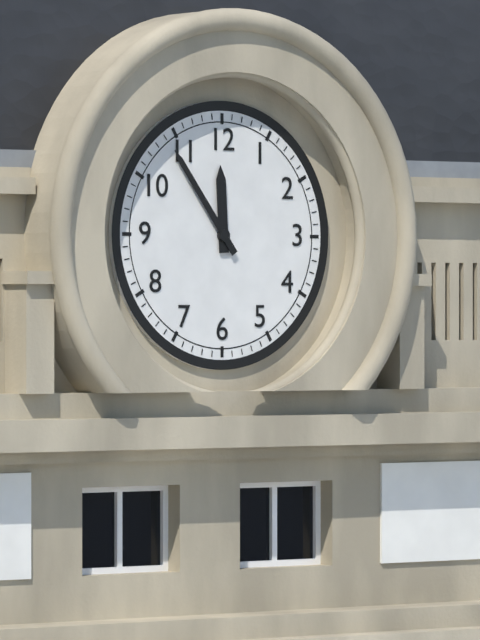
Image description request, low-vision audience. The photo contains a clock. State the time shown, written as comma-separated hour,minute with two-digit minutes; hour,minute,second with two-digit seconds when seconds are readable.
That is 11,54
